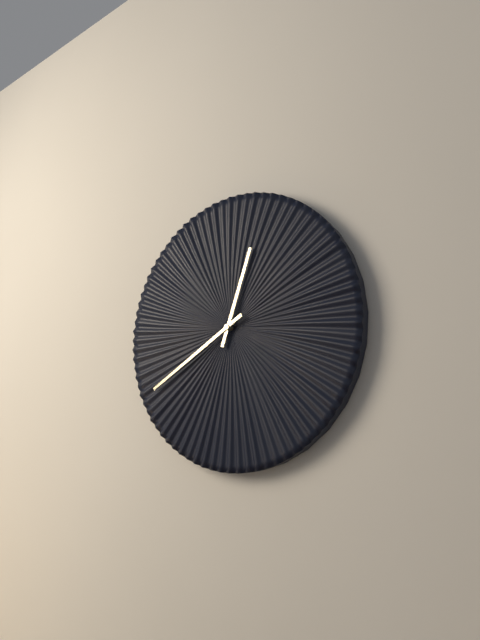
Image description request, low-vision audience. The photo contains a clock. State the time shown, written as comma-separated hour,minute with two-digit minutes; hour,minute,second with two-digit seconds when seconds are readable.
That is 12,40
